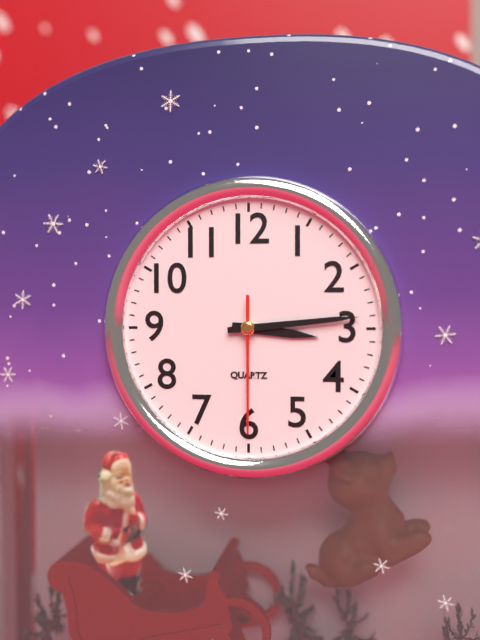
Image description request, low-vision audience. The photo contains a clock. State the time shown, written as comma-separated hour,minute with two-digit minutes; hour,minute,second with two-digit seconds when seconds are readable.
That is 3,14,30
